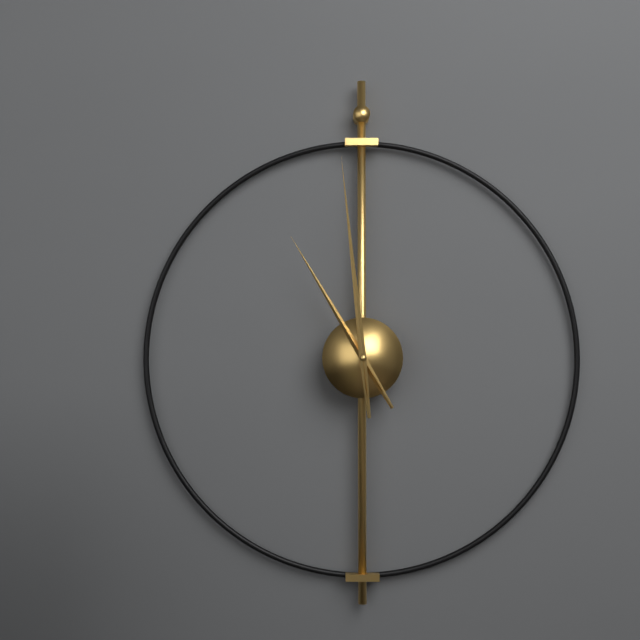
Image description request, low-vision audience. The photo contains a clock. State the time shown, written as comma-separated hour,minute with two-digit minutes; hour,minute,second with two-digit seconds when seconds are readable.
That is 10,59
